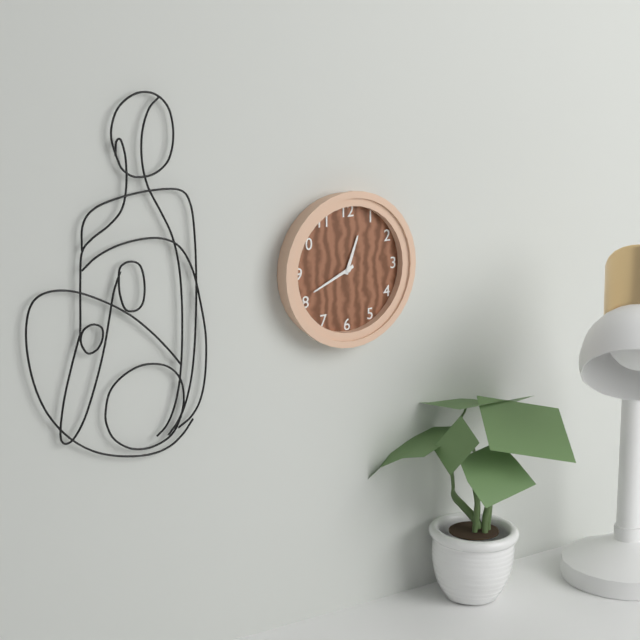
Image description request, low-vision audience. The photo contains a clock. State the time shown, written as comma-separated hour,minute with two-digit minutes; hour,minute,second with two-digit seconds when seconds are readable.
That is 12,41
